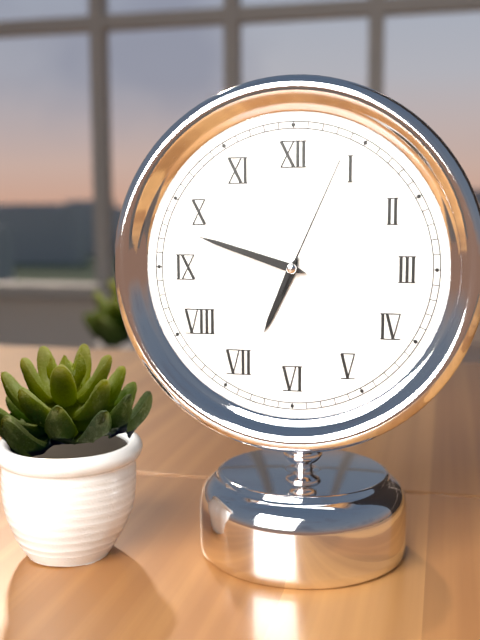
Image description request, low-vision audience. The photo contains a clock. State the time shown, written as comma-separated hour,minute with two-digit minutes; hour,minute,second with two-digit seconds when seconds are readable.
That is 6,48,04
